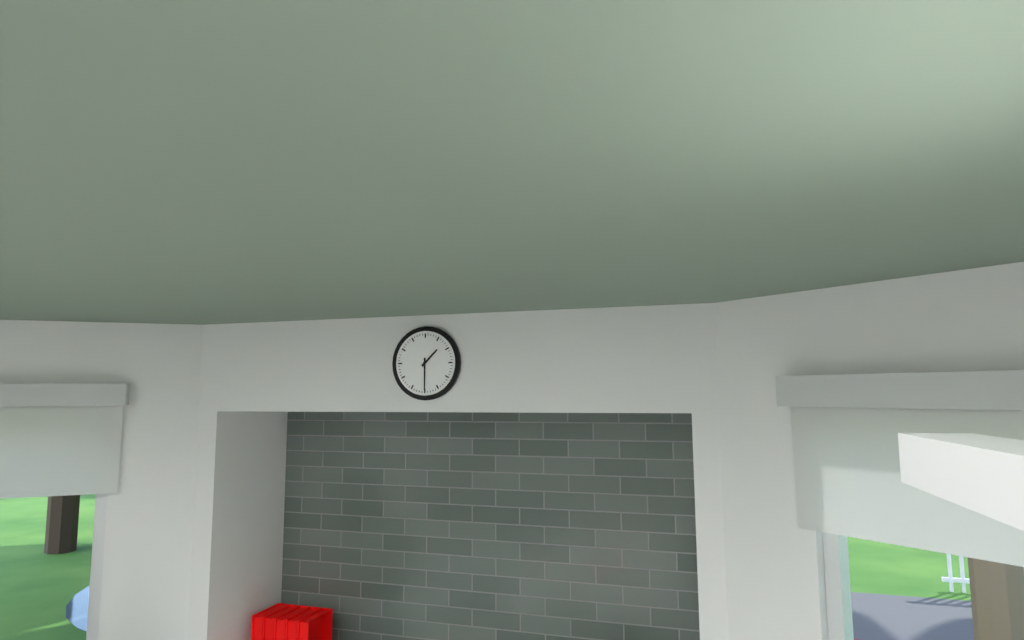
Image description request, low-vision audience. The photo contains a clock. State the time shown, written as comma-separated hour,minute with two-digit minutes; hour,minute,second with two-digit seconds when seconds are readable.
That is 1,30
